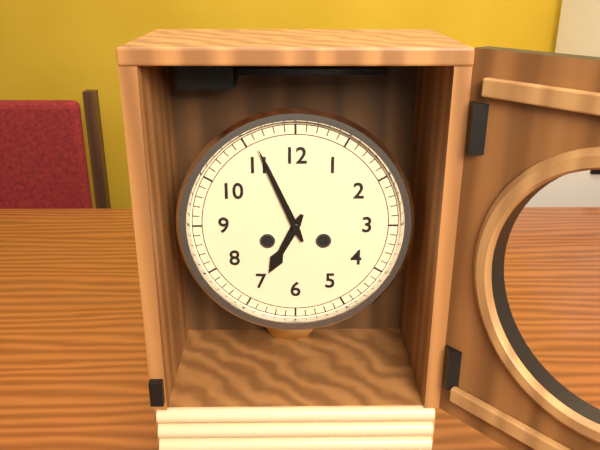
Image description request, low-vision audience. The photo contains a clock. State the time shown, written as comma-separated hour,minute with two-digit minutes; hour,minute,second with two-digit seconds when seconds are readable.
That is 6,56
